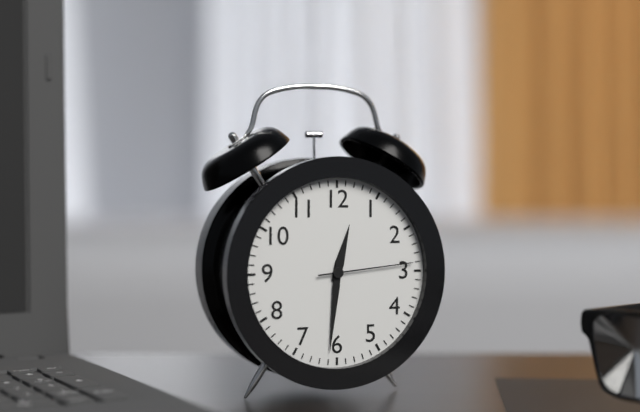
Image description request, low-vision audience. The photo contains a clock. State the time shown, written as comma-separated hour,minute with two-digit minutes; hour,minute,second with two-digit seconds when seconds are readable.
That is 12,31,14
